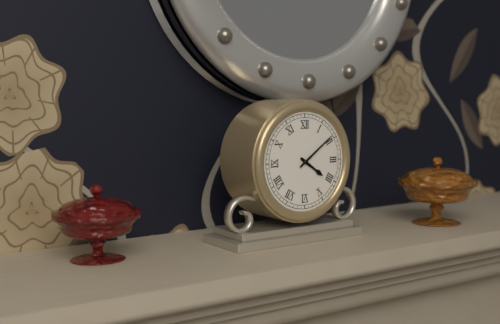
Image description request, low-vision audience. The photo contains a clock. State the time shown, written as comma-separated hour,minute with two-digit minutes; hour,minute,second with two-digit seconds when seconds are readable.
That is 4,09
